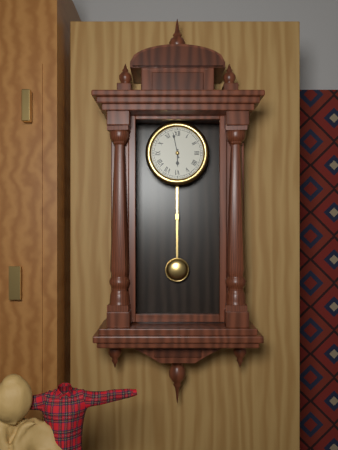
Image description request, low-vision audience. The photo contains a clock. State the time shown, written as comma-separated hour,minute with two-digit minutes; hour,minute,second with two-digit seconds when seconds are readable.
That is 5,58
